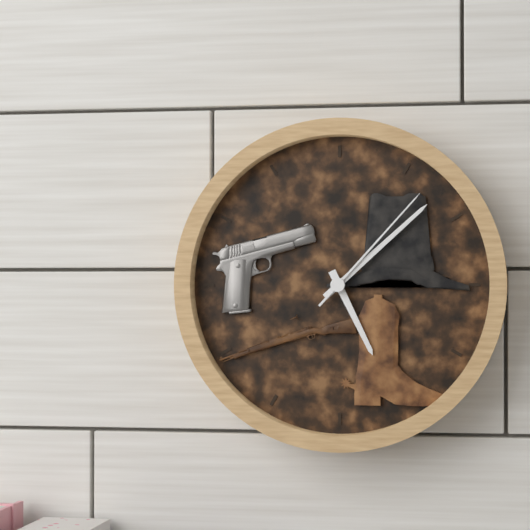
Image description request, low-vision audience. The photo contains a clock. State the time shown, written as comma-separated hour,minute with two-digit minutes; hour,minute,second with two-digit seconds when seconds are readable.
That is 5,08,07
